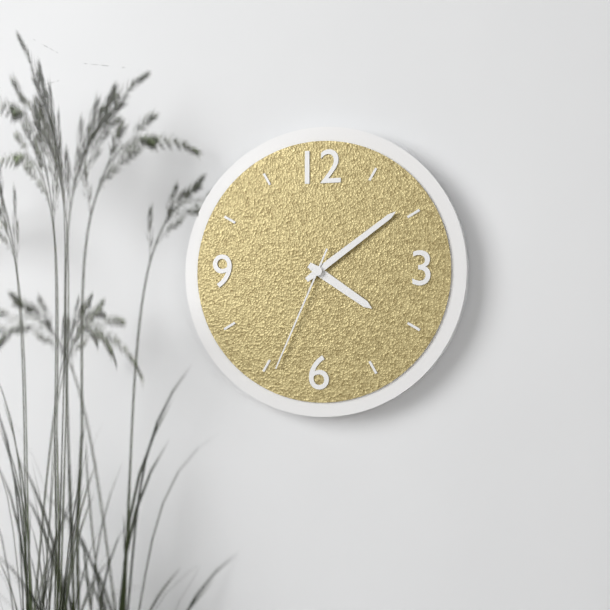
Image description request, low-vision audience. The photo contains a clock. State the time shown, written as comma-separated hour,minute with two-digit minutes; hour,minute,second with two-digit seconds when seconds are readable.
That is 4,09,34
